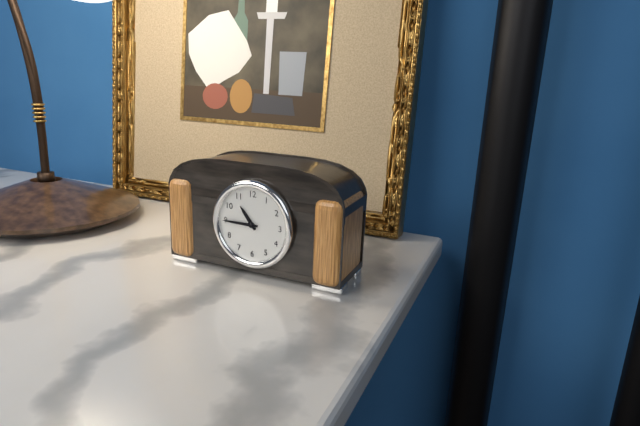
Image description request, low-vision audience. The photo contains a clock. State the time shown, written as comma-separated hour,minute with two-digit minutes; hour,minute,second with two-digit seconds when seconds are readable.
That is 10,45
